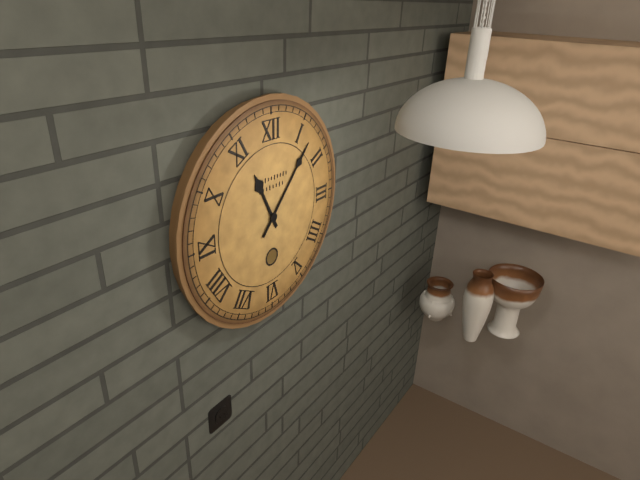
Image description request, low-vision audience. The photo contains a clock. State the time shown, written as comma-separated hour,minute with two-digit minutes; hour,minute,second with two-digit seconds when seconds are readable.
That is 11,07
